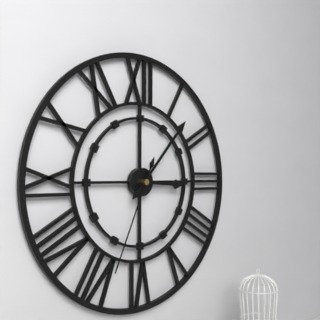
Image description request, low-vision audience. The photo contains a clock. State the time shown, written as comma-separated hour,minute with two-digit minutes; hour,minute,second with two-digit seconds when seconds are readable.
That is 3,07,34
